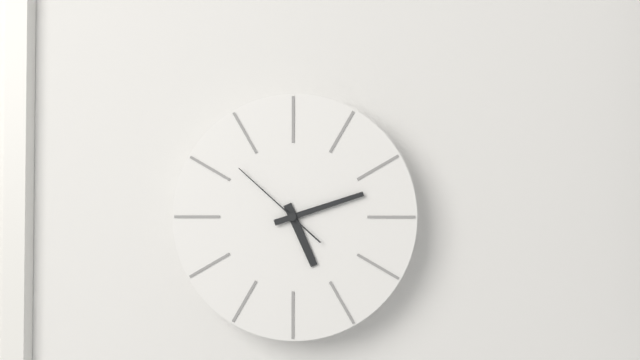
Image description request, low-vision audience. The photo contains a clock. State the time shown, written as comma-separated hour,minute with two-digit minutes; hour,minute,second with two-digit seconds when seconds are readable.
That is 5,12,52
